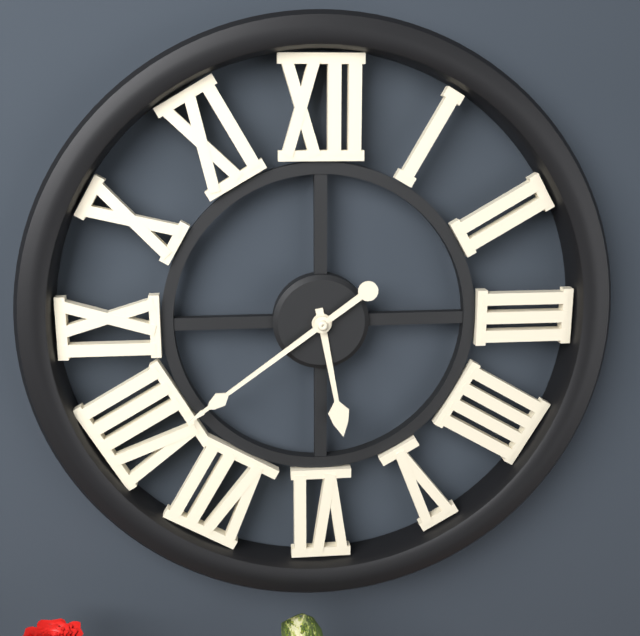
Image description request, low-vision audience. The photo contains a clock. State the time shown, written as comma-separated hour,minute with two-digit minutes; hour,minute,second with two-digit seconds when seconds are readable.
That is 5,39
